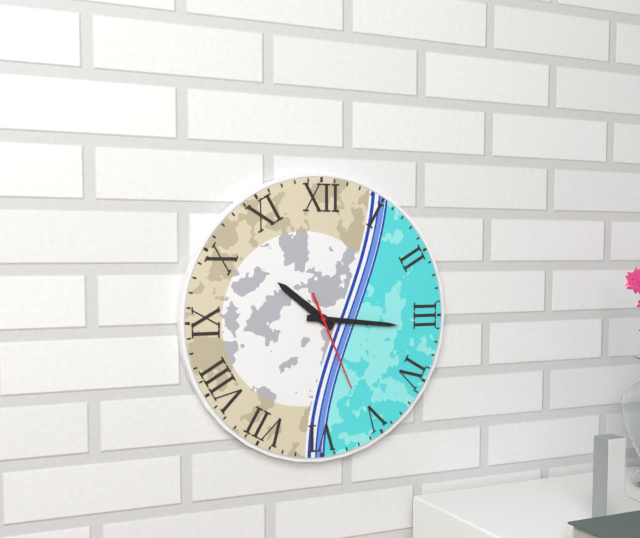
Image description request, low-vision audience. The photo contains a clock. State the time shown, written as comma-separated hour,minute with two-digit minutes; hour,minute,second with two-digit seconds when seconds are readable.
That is 10,16,26
